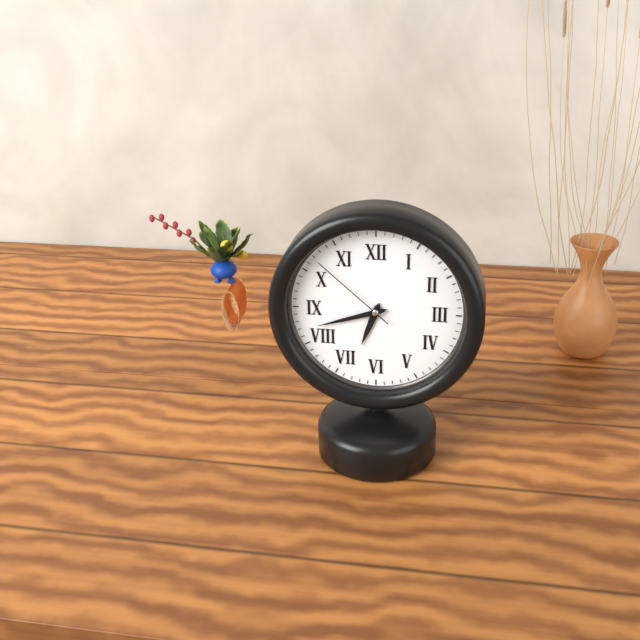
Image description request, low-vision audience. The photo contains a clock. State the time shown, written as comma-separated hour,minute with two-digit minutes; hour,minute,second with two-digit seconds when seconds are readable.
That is 6,42,52
